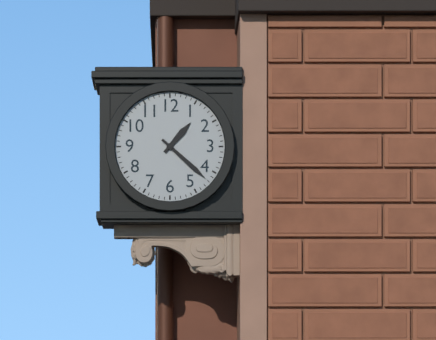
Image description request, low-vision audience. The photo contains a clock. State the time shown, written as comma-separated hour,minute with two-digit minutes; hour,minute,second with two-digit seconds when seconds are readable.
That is 1,22
